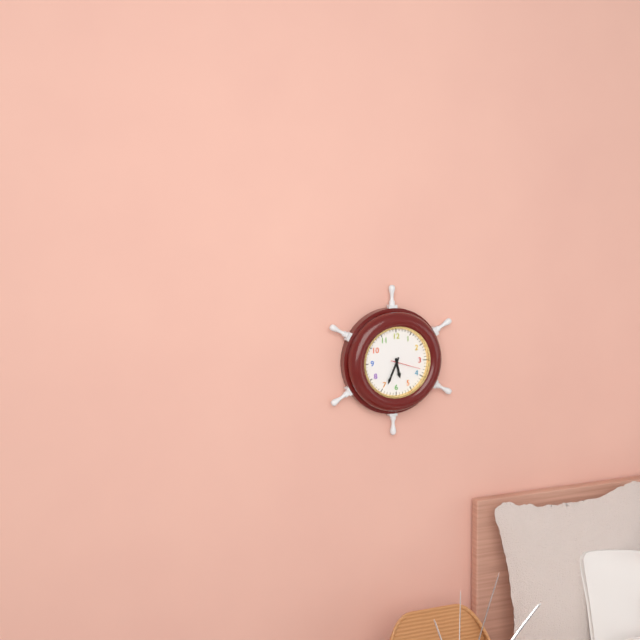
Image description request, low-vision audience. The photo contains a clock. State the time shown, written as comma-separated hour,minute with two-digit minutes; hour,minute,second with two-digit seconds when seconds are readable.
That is 5,34
